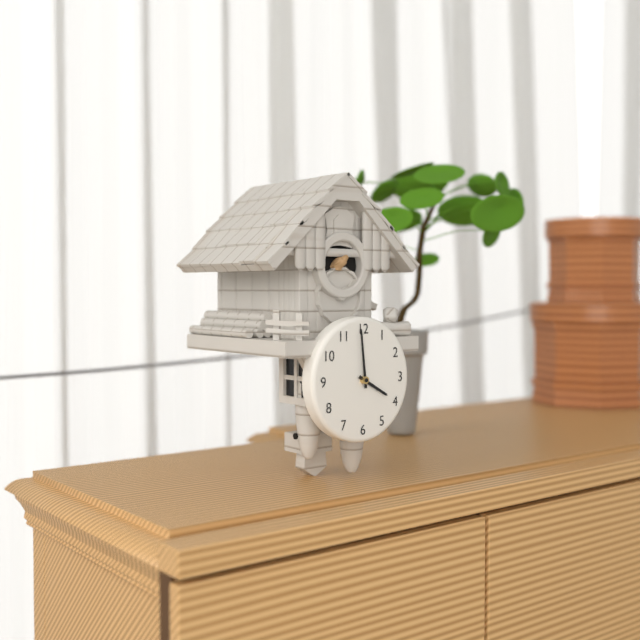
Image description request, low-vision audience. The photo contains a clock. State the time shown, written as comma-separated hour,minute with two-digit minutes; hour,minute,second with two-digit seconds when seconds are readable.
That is 3,59
